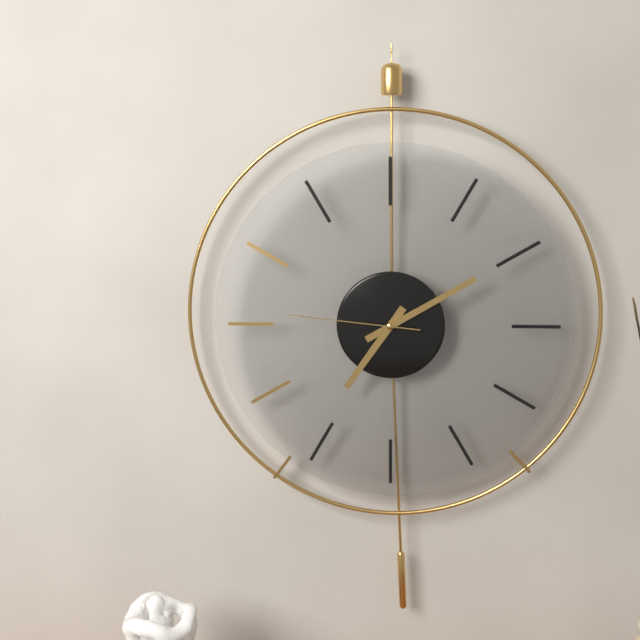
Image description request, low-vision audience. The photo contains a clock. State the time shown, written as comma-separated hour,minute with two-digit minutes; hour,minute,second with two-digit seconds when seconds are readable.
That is 7,10,46
